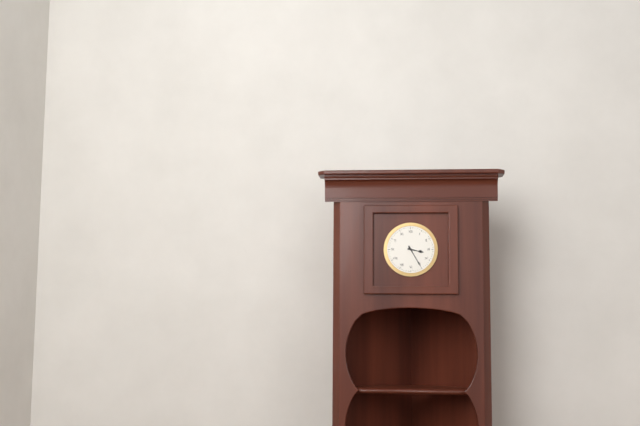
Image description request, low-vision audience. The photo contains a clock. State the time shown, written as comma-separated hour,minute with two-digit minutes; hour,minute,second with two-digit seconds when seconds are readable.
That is 3,25
